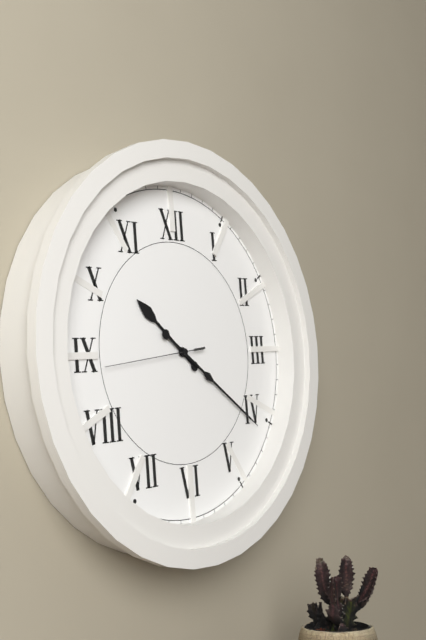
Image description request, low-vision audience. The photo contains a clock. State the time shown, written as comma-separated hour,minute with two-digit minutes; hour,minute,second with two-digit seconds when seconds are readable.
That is 10,21,44
